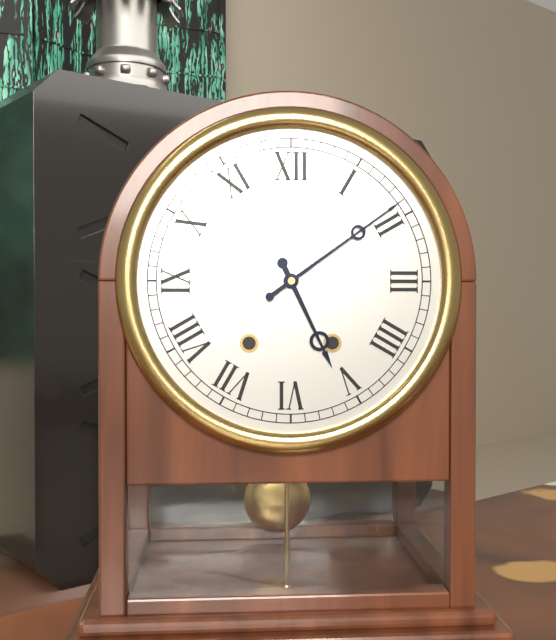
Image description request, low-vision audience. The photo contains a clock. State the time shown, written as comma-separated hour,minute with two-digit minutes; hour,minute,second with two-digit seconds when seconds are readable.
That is 5,09
